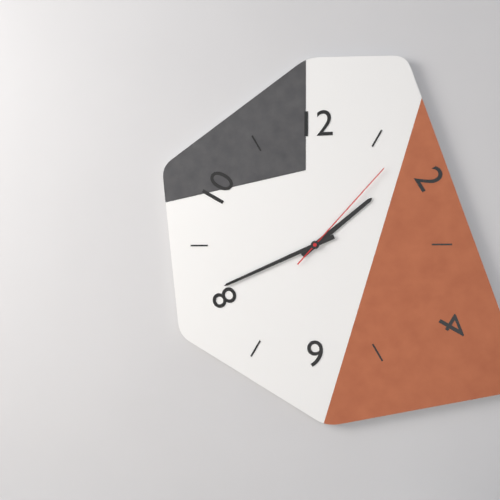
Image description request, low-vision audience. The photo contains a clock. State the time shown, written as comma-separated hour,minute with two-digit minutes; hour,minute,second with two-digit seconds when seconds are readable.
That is 1,41,07
